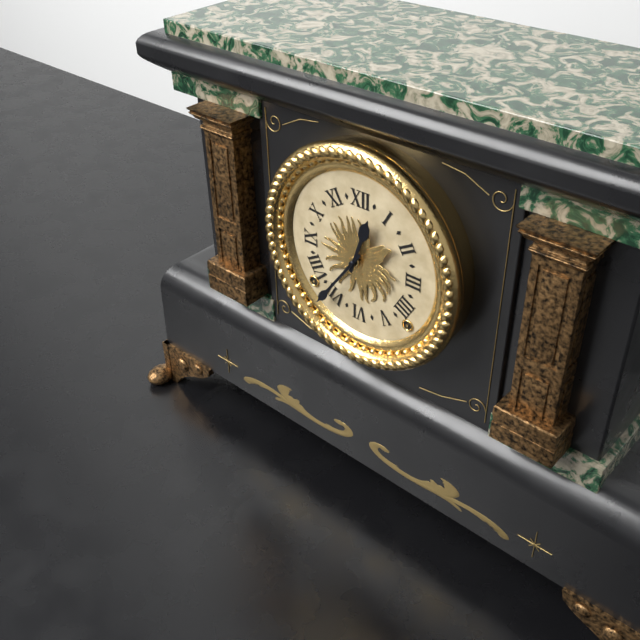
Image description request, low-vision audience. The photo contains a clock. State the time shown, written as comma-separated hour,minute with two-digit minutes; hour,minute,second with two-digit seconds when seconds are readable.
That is 12,36
